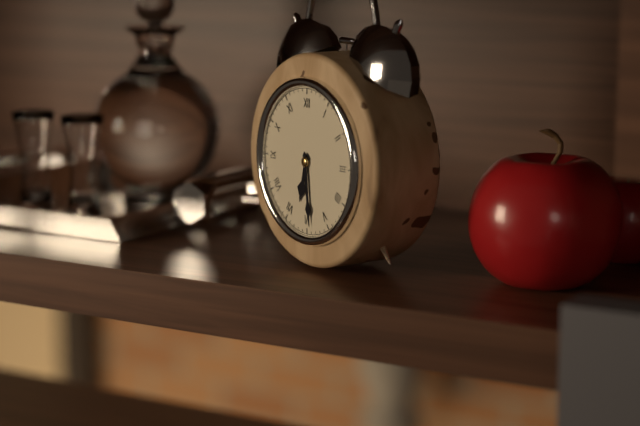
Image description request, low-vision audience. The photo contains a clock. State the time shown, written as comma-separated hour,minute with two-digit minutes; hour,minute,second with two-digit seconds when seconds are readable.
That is 6,29
